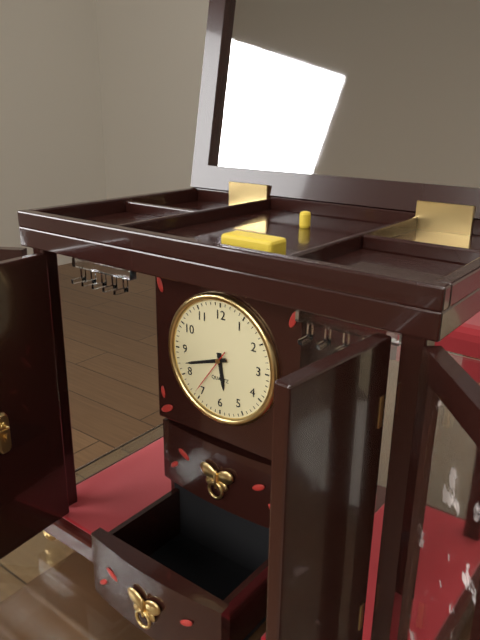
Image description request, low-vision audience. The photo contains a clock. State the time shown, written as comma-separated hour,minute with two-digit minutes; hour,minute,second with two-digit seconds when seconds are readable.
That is 5,42
